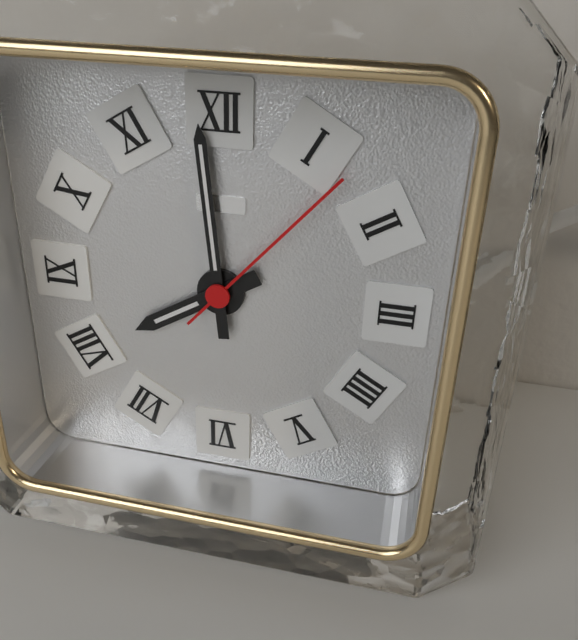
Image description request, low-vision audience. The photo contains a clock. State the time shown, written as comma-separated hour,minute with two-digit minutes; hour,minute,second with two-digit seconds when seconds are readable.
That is 7,59,07
